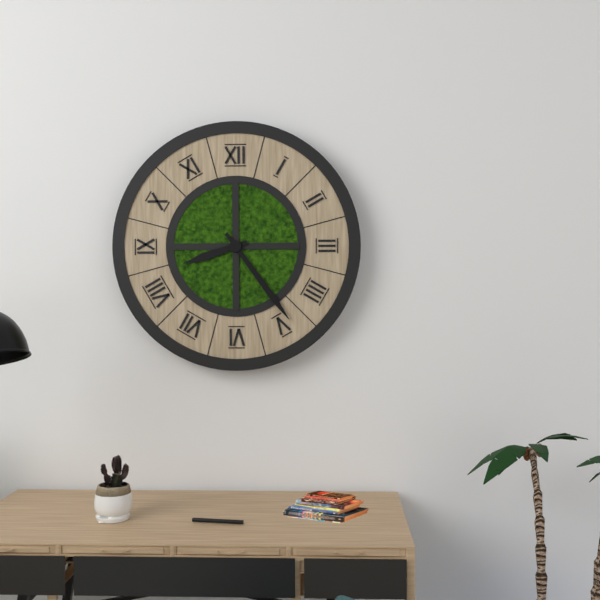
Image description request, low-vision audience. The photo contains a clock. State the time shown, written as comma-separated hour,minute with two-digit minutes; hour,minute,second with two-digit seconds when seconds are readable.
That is 8,24
